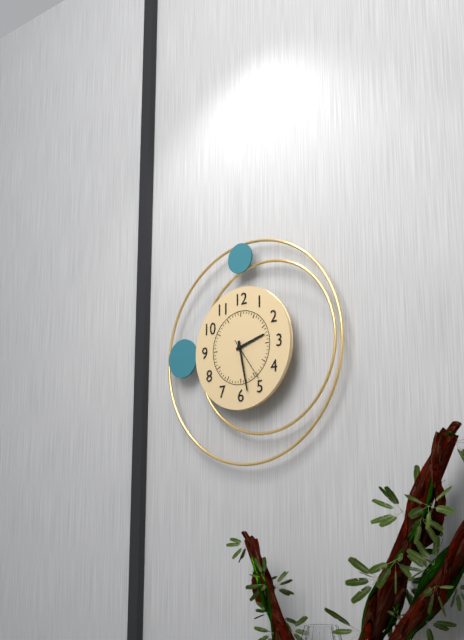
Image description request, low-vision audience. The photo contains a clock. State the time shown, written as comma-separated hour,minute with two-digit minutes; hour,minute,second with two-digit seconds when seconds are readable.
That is 2,28
